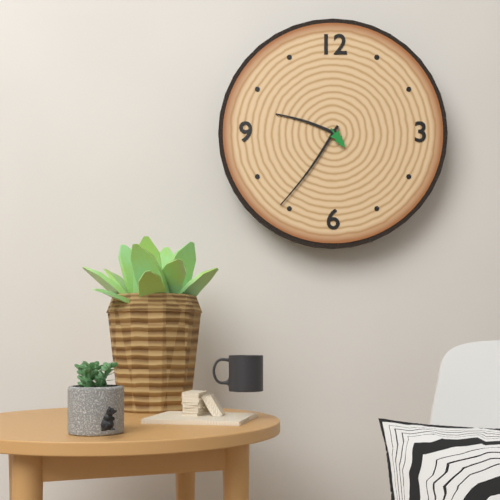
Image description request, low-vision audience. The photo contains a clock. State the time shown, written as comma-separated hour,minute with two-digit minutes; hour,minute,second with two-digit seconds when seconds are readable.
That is 9,36
